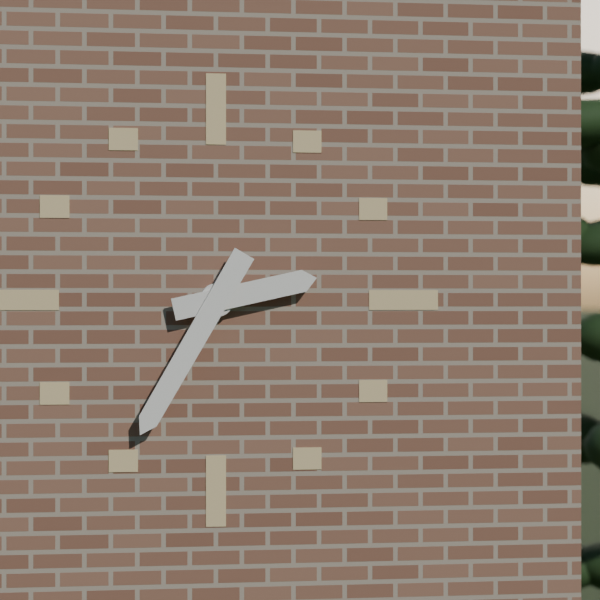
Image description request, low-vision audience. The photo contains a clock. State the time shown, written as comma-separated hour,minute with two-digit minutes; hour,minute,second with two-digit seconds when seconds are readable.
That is 2,35
